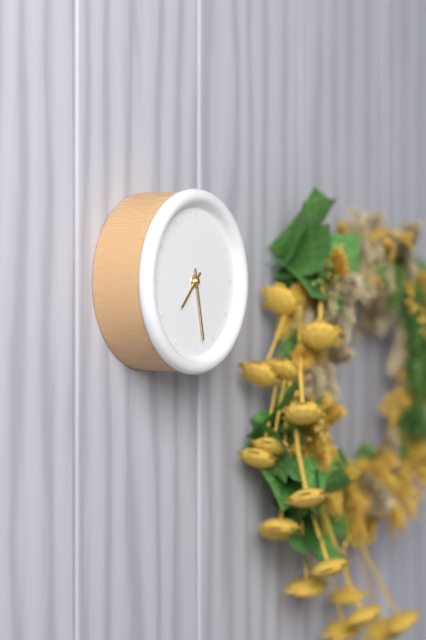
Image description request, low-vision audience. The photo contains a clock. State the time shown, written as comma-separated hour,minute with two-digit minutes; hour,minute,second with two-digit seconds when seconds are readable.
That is 7,28
